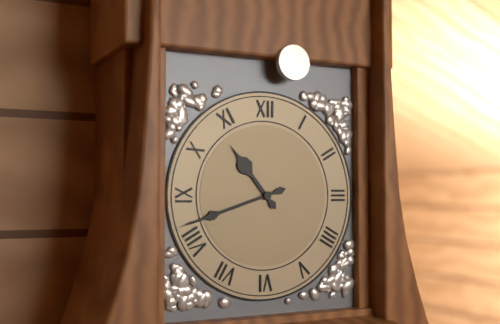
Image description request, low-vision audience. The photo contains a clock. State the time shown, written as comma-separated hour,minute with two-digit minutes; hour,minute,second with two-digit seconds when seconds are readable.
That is 10,42
